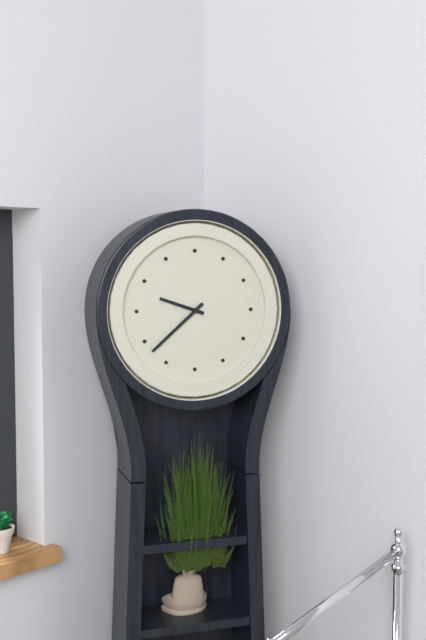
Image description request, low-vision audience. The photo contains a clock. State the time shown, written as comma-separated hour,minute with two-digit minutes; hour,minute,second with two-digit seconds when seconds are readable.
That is 9,38
